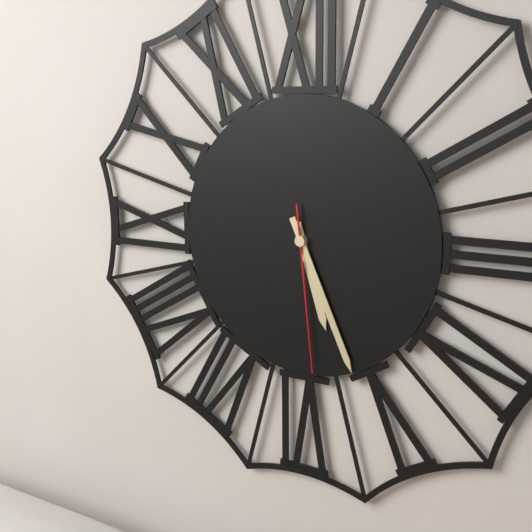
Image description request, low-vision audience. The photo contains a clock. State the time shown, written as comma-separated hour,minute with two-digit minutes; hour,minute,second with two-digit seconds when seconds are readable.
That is 5,26,29
